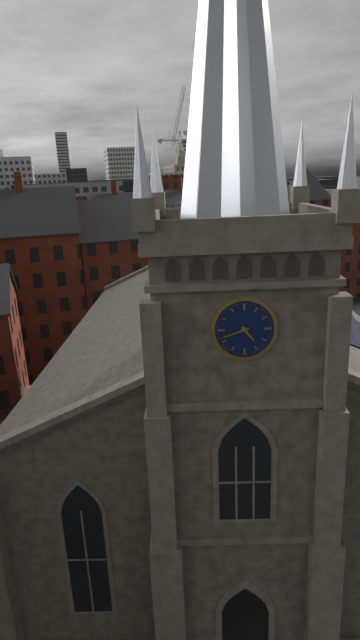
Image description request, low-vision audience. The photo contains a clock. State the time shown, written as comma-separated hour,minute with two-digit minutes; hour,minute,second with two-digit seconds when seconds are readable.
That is 4,42
